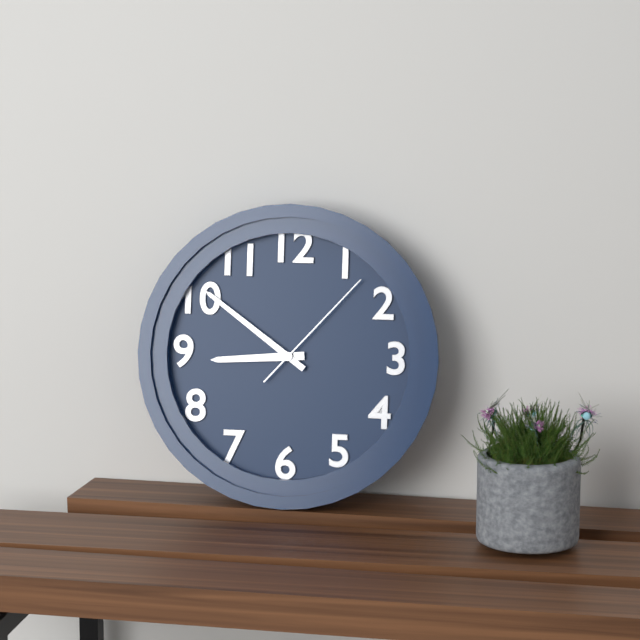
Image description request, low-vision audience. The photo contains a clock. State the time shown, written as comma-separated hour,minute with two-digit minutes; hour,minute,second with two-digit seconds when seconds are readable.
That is 8,51,07
